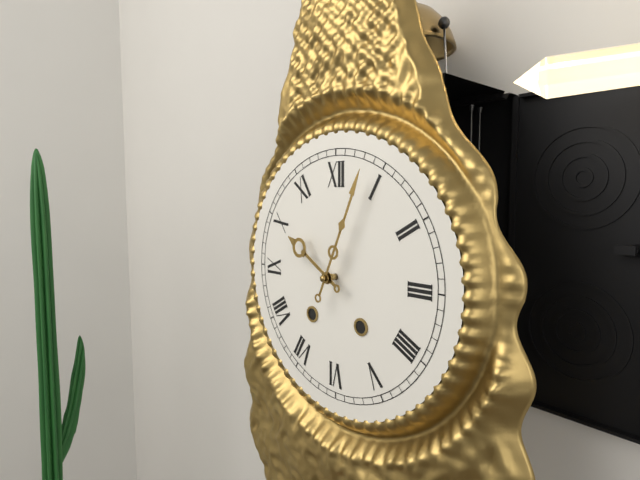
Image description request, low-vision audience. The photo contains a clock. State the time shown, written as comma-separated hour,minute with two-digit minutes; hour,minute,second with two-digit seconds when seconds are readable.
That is 10,04
